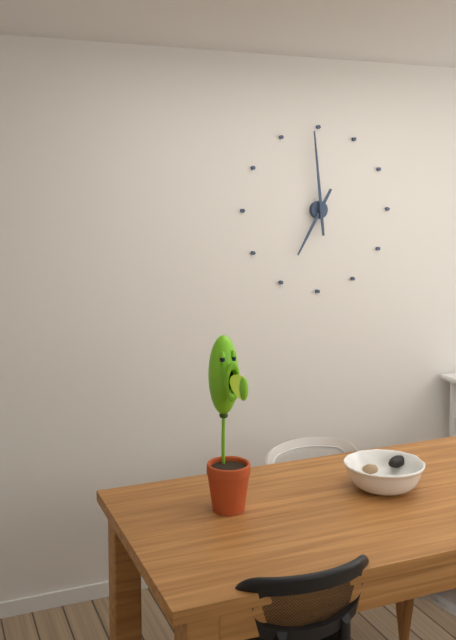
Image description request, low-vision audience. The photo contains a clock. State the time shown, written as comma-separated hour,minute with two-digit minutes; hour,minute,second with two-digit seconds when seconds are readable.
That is 6,59
